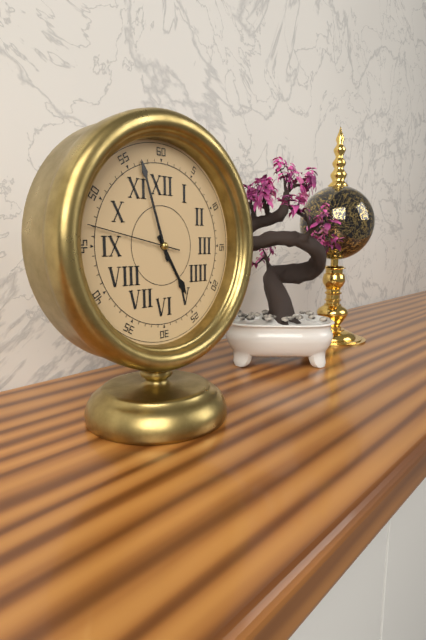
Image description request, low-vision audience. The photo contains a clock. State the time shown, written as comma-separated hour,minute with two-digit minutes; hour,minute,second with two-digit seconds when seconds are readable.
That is 4,57,47
